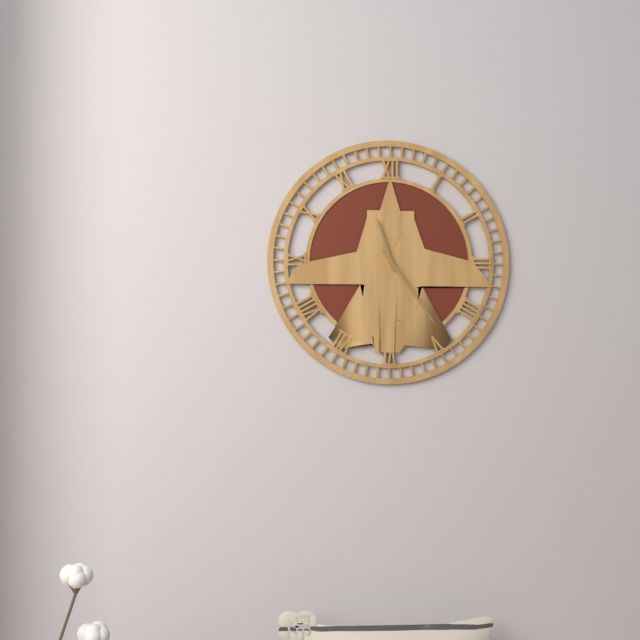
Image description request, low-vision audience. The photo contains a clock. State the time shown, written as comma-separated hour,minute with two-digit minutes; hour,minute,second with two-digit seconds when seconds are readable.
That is 11,24
